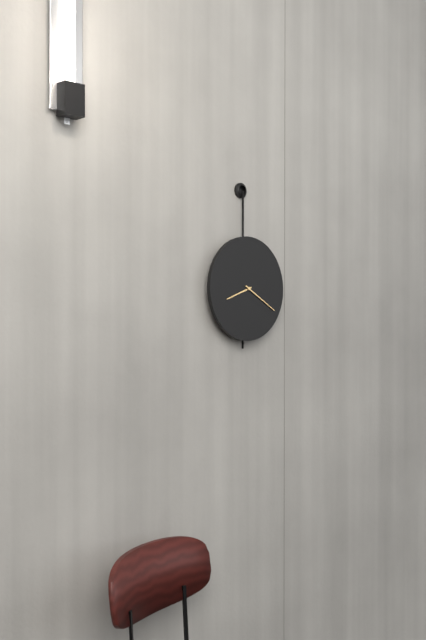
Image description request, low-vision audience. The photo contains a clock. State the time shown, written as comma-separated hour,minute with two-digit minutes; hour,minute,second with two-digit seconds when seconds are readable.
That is 8,20
